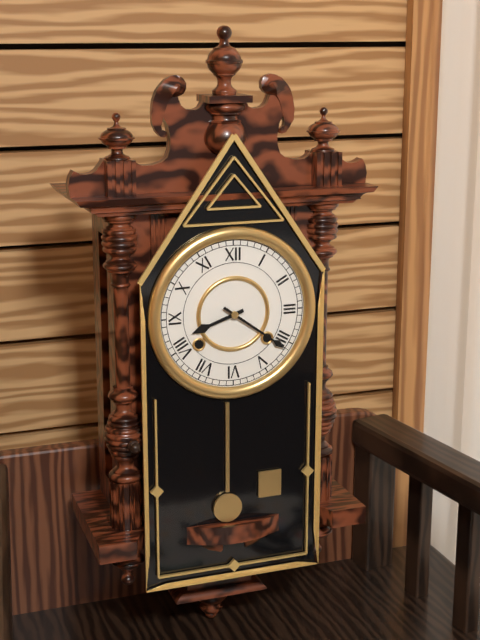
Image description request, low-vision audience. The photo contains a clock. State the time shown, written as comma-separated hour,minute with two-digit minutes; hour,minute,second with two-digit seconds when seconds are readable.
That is 8,21
